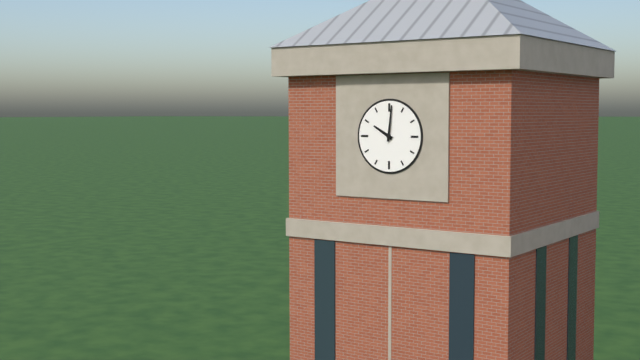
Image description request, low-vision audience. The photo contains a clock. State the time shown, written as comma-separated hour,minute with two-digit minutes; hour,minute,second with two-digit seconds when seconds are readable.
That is 10,01
